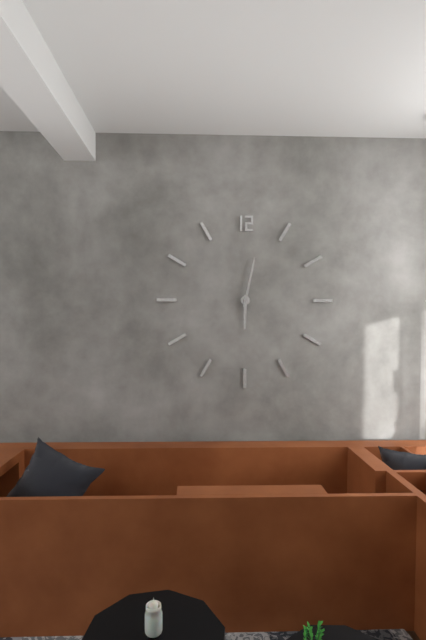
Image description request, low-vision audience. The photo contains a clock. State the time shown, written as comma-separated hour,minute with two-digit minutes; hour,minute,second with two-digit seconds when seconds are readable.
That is 6,02
